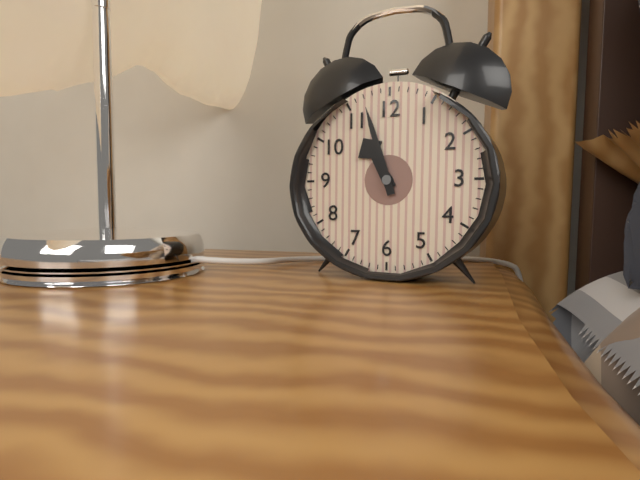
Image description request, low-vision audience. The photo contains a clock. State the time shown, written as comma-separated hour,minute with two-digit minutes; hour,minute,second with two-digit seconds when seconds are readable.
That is 10,57
